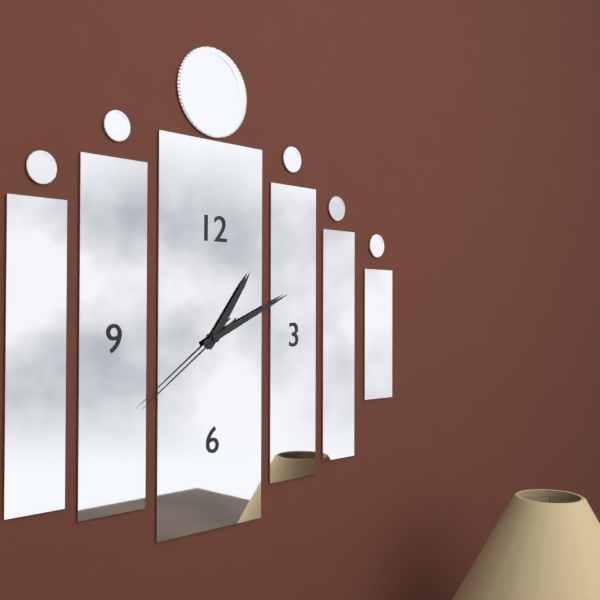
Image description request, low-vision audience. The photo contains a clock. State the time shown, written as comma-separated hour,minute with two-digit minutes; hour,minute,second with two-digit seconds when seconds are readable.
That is 1,11,39
